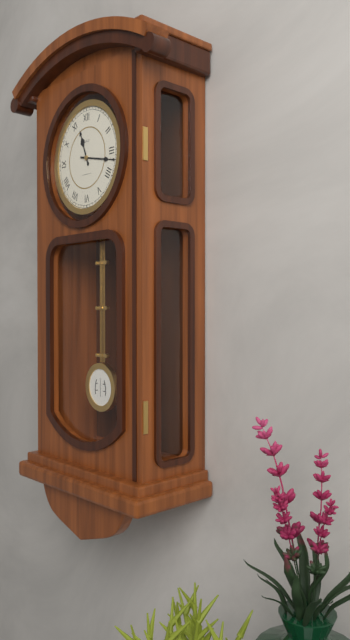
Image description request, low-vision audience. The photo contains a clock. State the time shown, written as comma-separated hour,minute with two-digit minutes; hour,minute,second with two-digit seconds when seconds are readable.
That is 11,17
